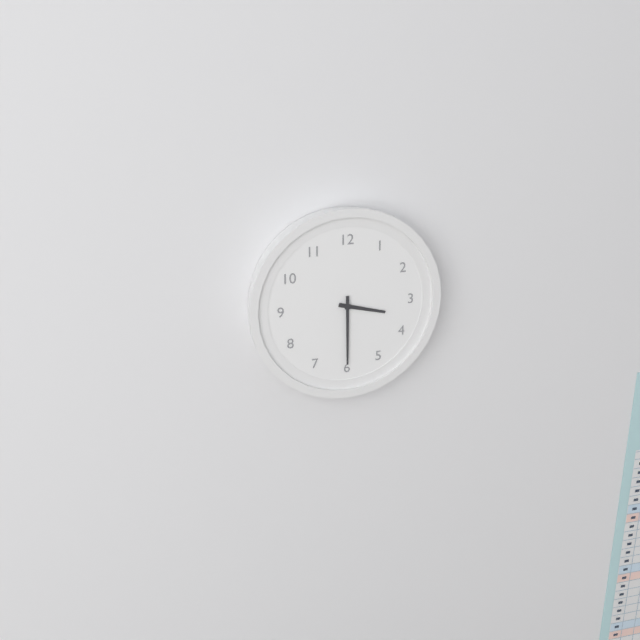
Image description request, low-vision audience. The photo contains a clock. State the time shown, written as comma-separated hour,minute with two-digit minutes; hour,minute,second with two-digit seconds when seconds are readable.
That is 3,30
